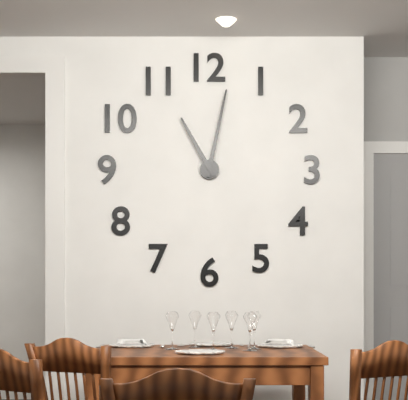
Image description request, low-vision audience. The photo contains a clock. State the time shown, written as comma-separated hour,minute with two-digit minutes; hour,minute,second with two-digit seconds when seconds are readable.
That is 11,02
